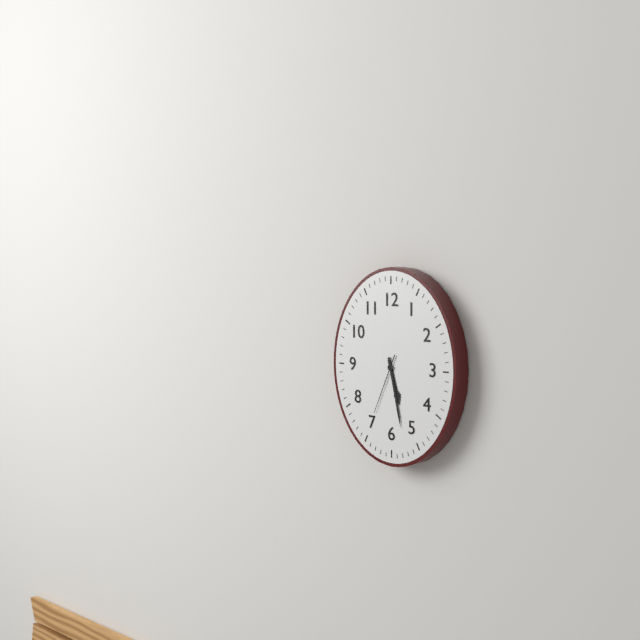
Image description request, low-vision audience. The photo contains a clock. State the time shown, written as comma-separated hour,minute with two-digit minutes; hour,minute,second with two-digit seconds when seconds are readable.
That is 5,28,34
